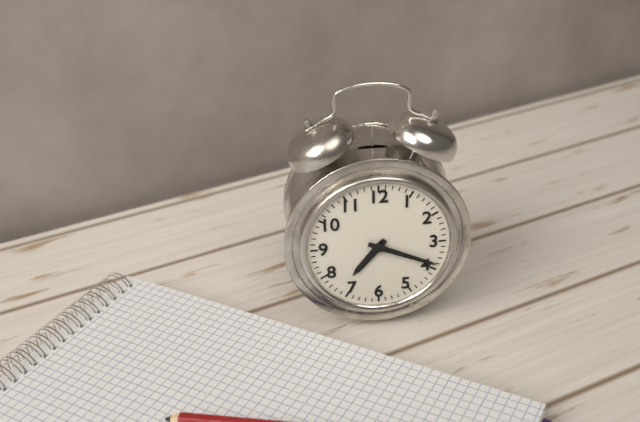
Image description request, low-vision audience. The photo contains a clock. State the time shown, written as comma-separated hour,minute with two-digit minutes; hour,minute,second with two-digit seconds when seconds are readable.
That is 7,19
